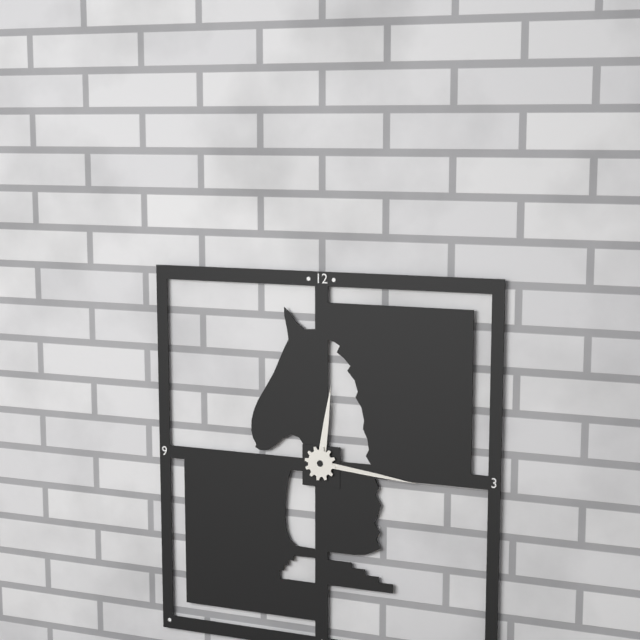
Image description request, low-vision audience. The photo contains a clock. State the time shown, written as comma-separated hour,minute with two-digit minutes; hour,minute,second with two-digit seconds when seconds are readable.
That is 12,16
